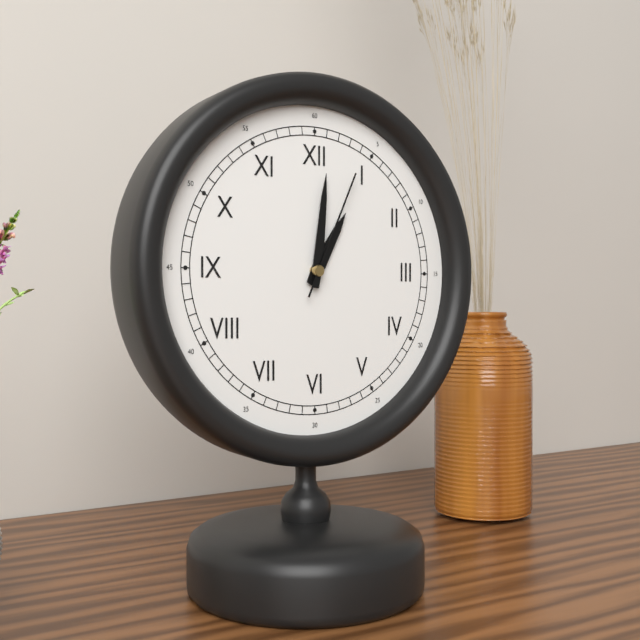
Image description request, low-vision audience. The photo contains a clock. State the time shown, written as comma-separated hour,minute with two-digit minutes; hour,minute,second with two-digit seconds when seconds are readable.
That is 1,01,04
